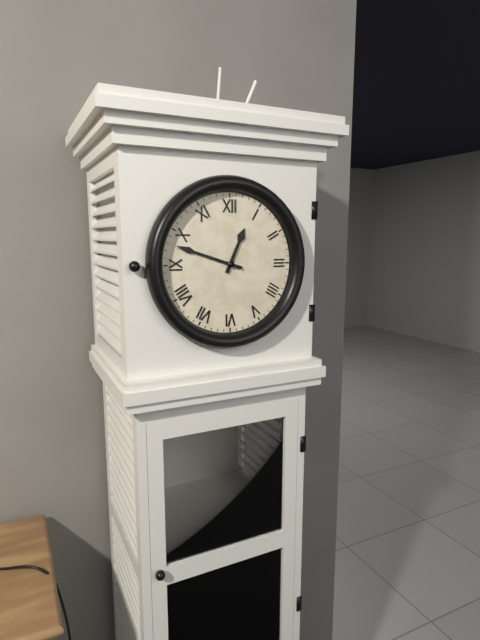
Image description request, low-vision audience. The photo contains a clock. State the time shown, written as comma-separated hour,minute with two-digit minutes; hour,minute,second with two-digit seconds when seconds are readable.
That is 12,48
